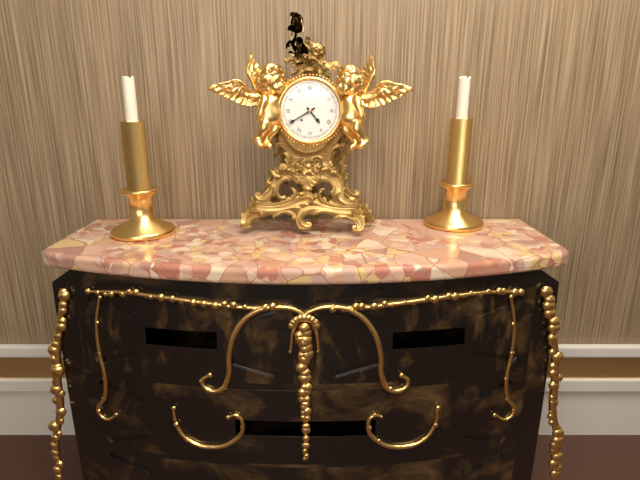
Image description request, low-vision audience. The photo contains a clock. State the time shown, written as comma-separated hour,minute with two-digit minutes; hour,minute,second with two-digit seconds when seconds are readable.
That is 4,40
